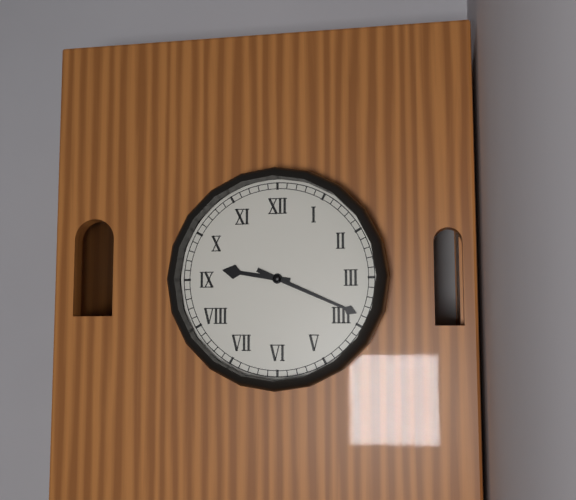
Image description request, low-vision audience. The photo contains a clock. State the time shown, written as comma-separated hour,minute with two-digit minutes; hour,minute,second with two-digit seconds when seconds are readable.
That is 9,19
